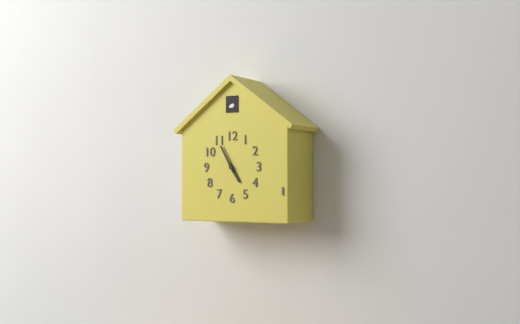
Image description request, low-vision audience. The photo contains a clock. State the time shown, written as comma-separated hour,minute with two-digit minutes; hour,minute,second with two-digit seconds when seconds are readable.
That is 4,55
